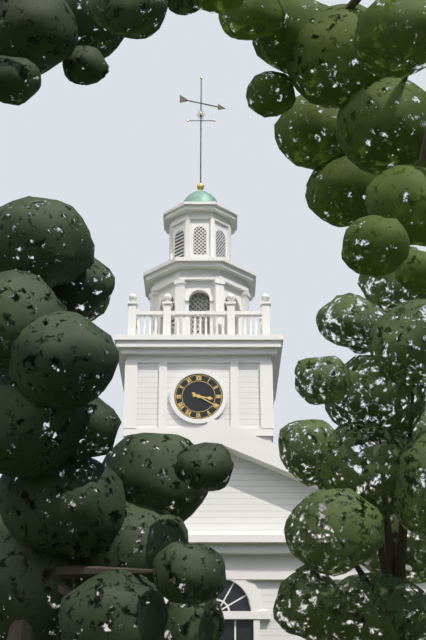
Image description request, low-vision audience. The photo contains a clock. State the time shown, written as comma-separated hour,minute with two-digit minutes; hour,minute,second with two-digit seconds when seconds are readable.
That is 3,20
